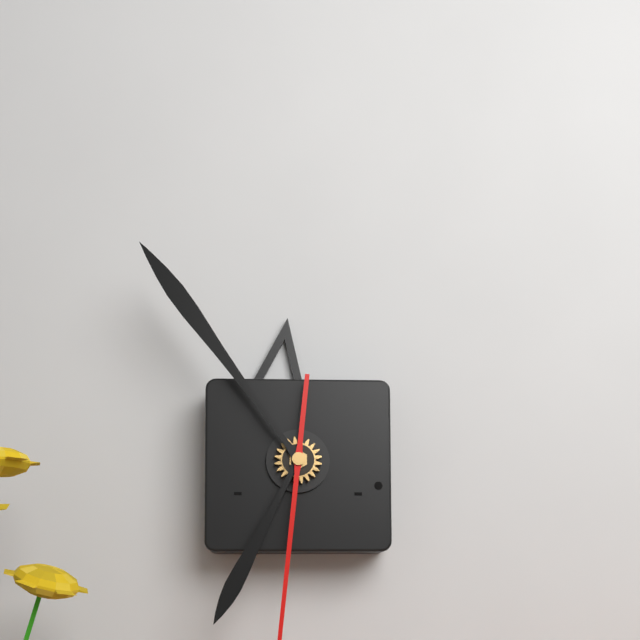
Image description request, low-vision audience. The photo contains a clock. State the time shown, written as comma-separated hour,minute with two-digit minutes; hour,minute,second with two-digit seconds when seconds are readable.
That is 6,54
